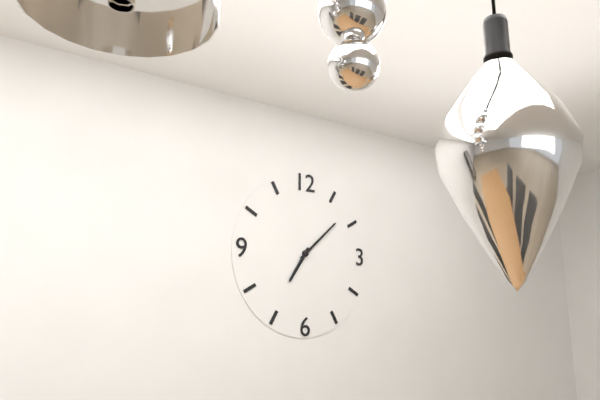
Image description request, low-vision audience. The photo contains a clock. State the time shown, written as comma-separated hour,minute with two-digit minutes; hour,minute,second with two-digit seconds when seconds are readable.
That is 7,08
